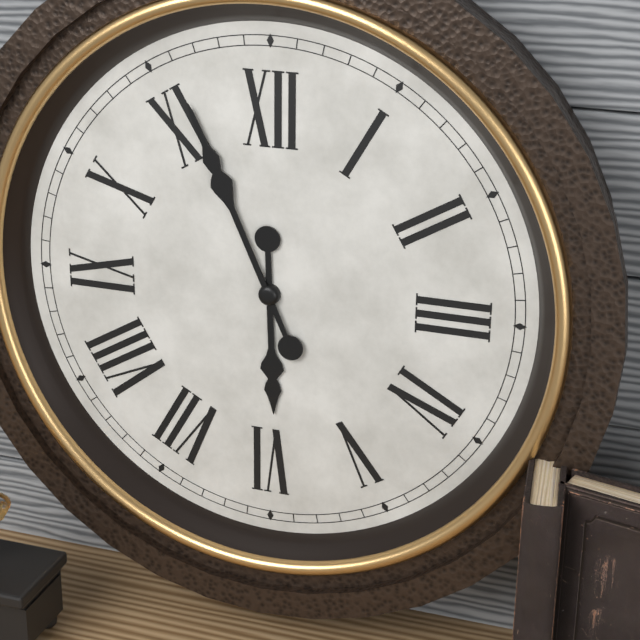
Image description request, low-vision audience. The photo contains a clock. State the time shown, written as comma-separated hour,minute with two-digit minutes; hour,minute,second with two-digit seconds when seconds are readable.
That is 5,56
